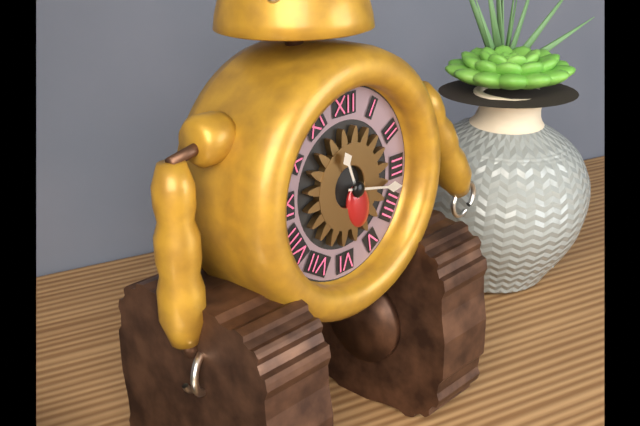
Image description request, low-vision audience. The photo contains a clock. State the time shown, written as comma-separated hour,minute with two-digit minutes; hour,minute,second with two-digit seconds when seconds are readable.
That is 11,17
